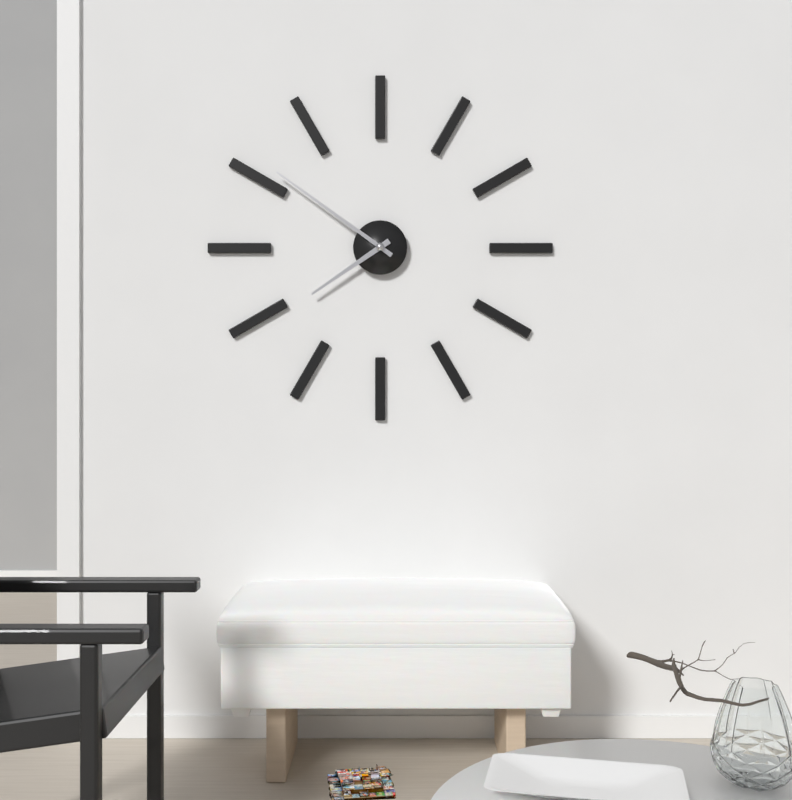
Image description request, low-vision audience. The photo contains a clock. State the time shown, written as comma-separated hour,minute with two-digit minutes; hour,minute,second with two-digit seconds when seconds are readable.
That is 7,51
